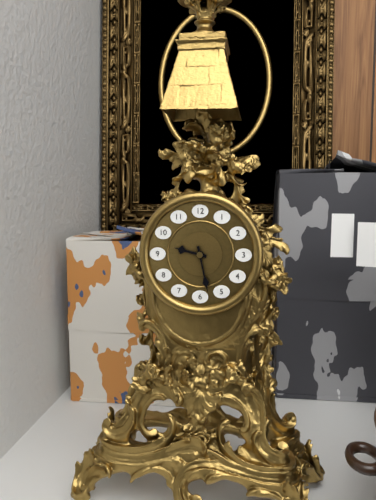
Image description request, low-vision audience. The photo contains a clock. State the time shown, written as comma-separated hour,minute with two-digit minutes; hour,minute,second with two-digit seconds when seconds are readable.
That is 9,28
